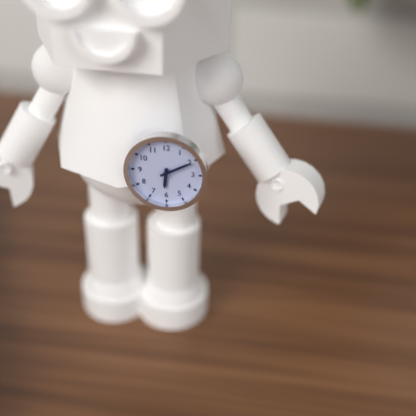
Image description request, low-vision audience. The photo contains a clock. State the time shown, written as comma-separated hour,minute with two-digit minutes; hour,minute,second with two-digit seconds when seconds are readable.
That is 6,10
